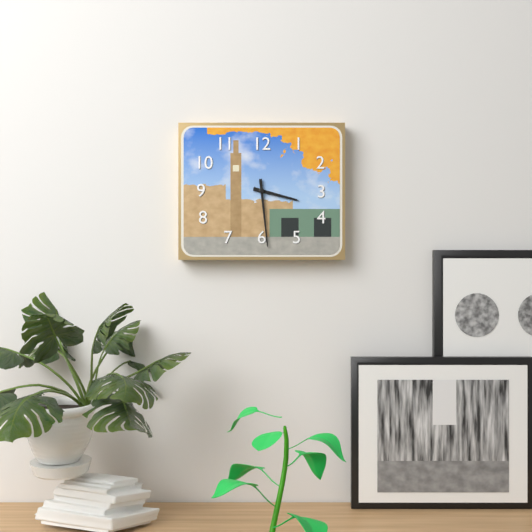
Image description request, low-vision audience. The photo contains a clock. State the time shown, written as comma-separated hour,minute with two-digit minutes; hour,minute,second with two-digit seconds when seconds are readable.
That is 3,29
